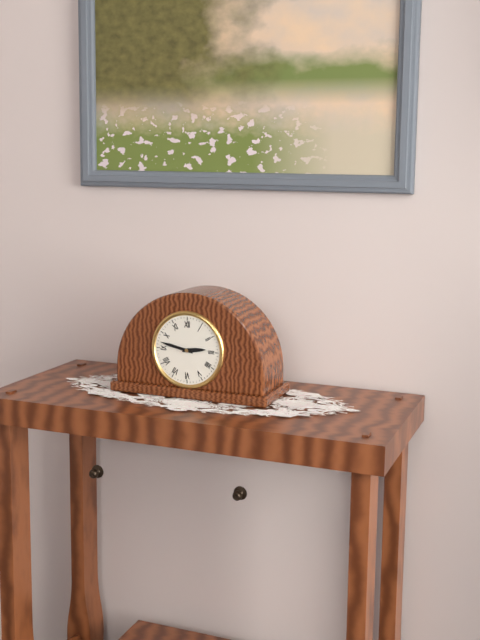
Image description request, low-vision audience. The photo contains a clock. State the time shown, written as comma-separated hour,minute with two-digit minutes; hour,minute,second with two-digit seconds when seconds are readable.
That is 2,47
